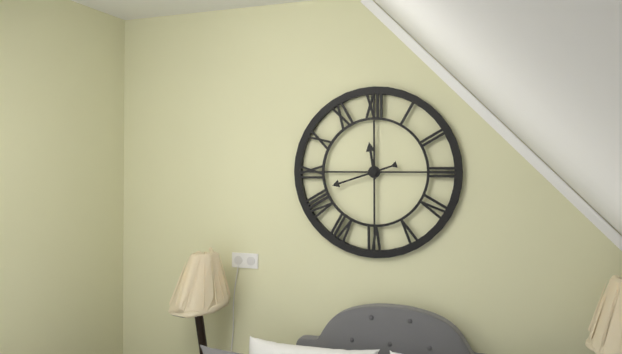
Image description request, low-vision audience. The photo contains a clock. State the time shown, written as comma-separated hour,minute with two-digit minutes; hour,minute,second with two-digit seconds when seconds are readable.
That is 11,42
